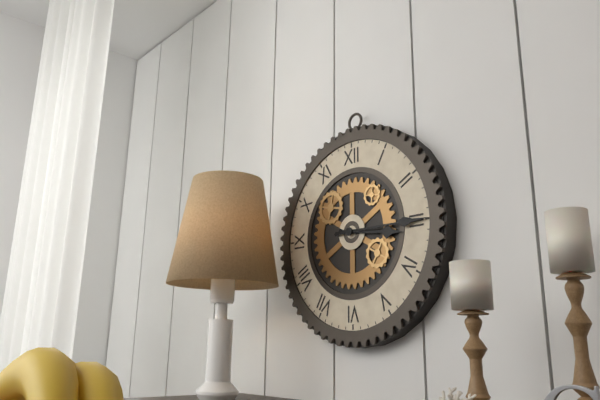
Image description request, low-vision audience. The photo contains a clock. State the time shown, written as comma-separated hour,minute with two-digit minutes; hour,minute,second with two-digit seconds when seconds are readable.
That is 3,15
